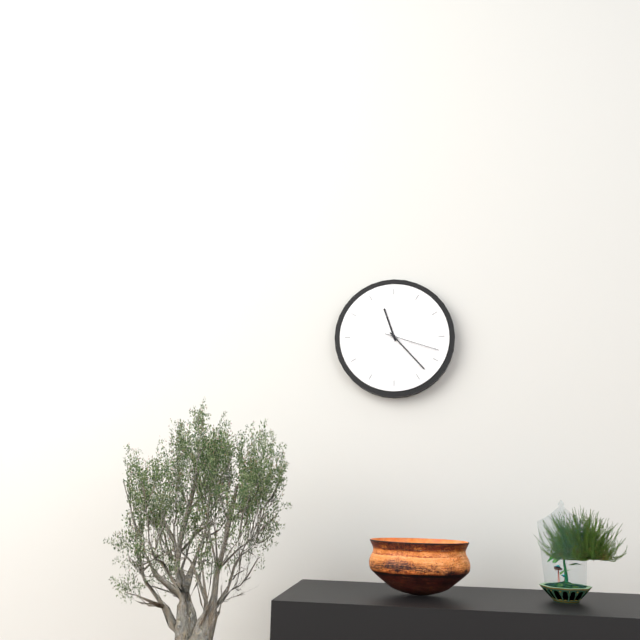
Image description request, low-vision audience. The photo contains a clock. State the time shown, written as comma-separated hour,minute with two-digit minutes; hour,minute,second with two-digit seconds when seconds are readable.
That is 11,23,18
